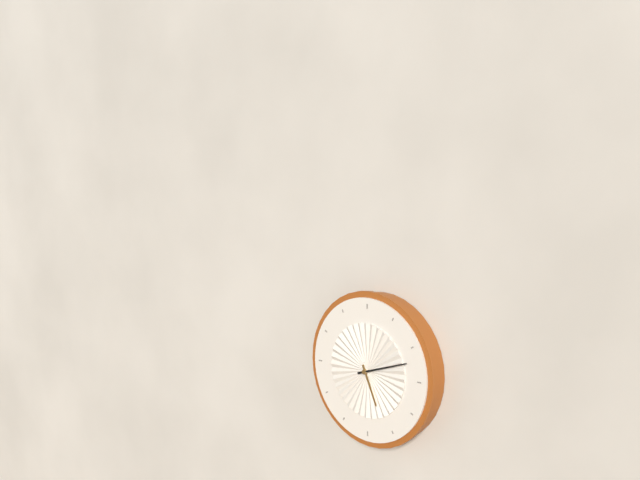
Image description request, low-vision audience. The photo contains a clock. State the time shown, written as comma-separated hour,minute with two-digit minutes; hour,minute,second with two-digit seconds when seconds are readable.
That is 5,12
